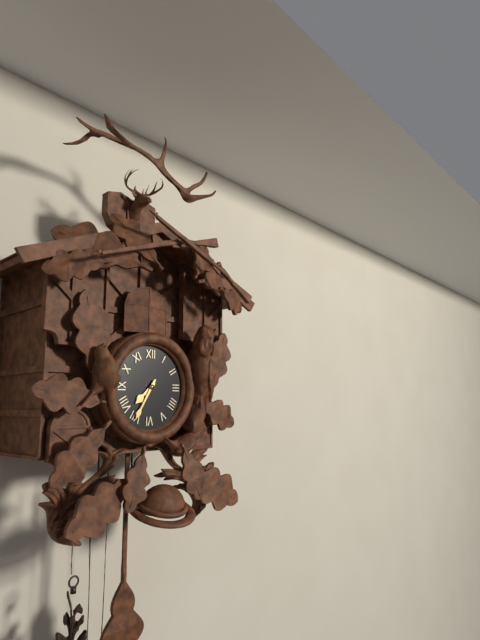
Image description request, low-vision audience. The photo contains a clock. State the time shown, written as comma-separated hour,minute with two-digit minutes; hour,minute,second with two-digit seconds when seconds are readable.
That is 7,35
